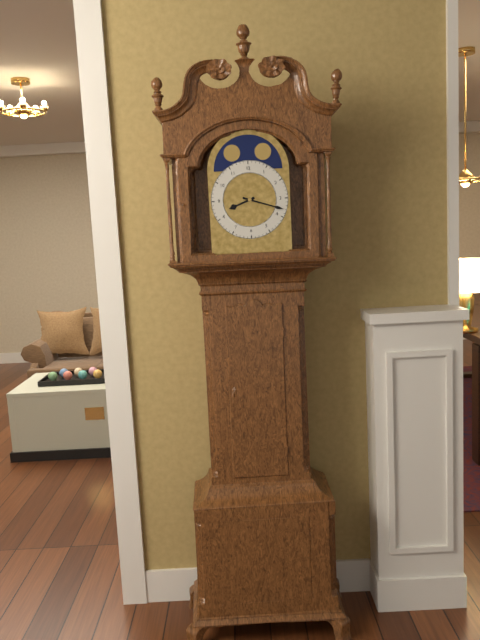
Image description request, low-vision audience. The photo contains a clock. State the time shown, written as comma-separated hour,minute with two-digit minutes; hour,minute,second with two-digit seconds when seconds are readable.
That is 8,18
